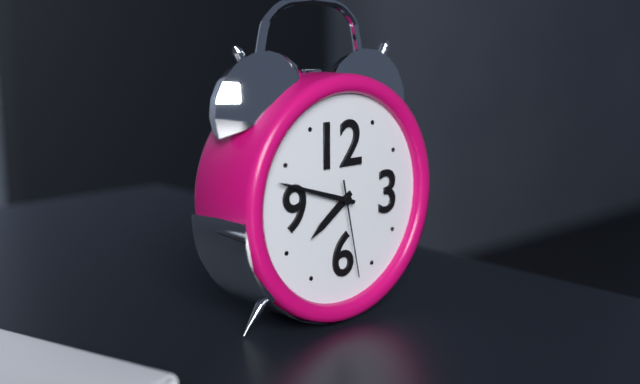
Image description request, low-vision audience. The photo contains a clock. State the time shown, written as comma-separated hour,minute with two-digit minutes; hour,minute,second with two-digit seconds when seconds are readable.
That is 7,48,28
